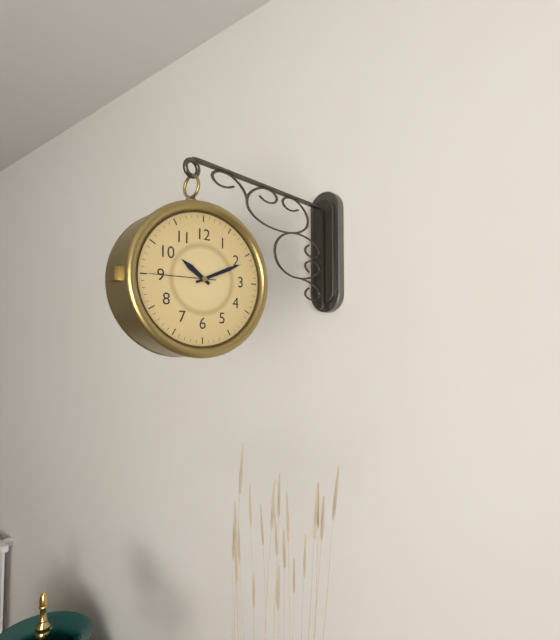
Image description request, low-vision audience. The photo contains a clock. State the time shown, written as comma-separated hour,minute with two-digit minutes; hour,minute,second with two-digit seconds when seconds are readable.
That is 10,11,45
